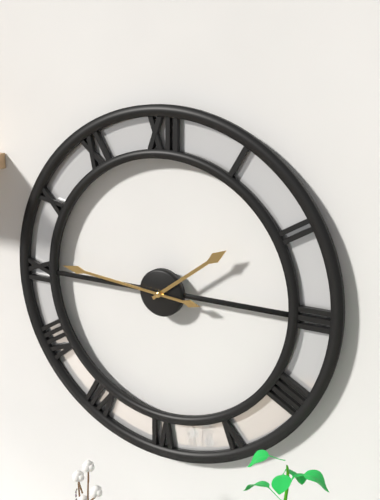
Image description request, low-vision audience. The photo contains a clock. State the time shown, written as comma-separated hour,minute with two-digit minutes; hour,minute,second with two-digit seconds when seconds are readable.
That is 1,46
